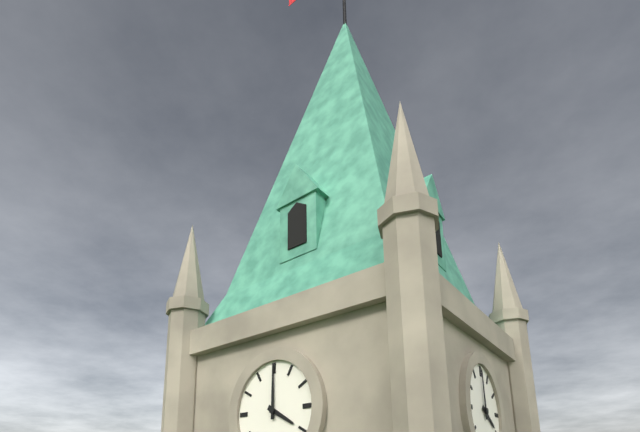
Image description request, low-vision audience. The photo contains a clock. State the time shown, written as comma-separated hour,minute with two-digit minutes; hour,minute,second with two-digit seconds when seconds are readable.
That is 4,00
